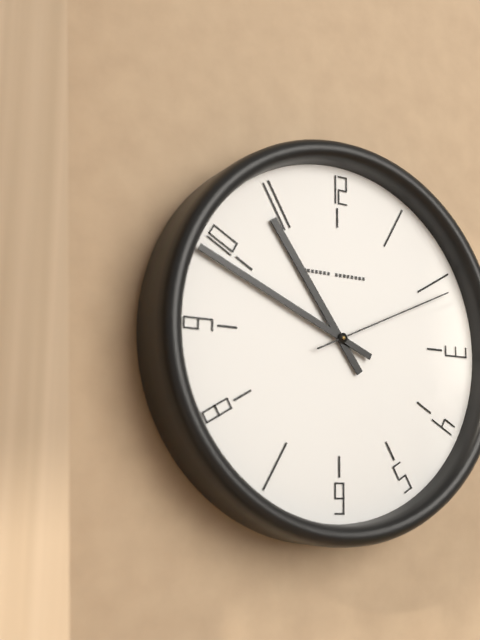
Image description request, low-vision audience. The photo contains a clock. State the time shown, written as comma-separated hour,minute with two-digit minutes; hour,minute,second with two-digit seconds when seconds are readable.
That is 10,49,11
